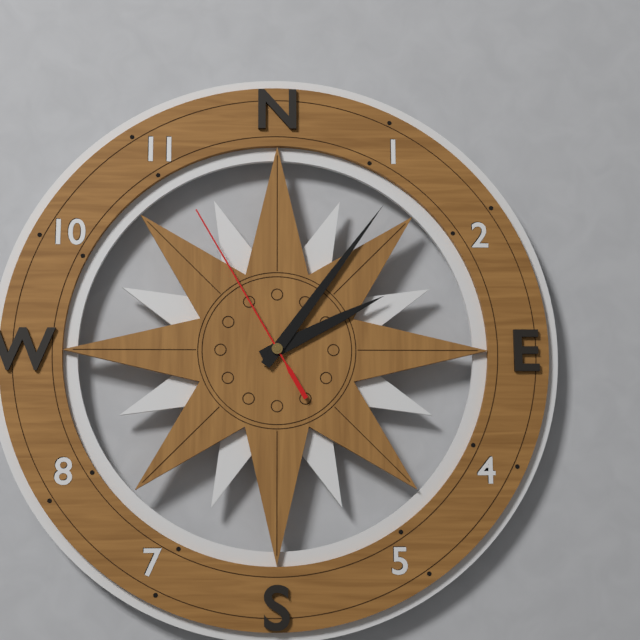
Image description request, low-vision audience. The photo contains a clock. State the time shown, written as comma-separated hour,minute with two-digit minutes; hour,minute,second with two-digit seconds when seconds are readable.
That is 2,06,55
